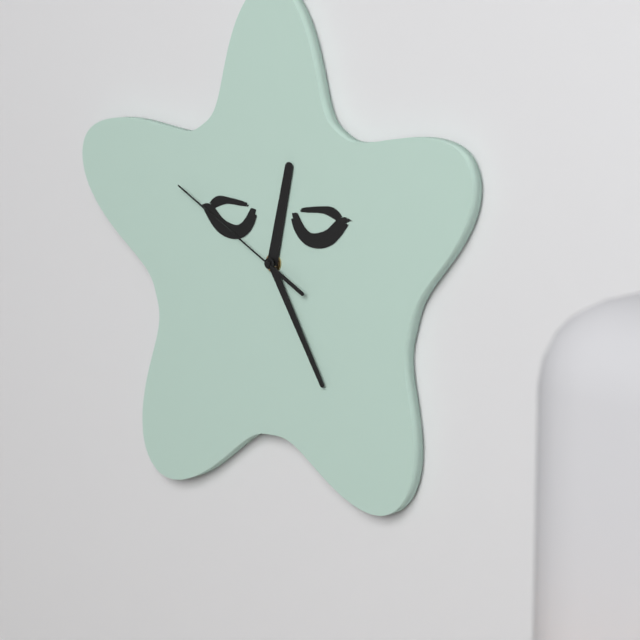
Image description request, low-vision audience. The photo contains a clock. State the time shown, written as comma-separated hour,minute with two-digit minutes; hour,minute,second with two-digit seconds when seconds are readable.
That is 12,25,50
